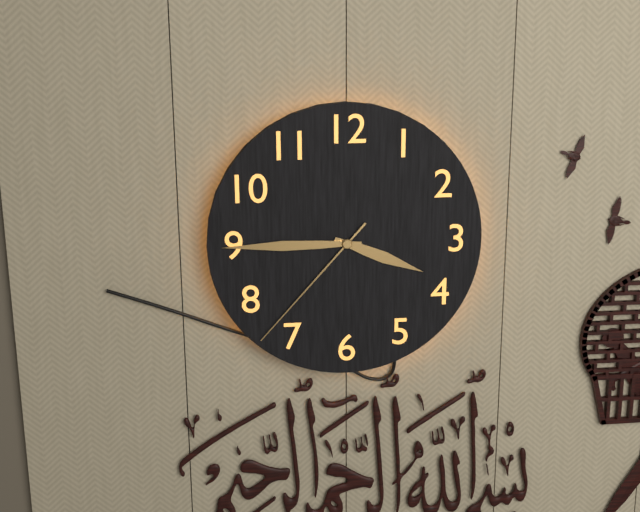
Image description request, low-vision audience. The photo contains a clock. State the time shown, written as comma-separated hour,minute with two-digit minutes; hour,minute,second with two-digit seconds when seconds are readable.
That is 3,45,37
